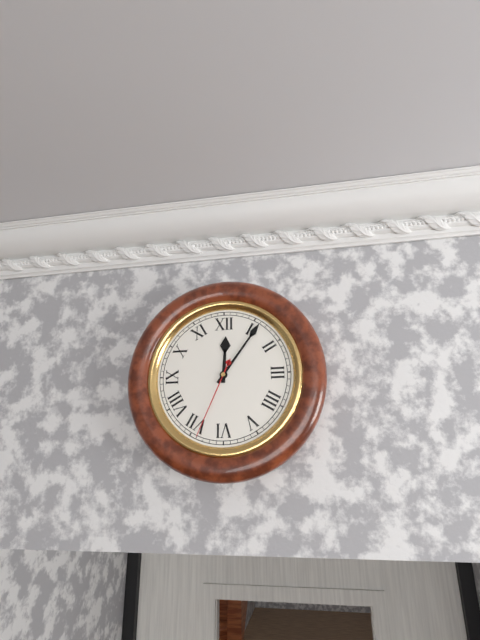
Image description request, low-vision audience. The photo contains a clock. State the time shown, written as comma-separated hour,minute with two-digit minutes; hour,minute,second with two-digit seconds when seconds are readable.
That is 12,06,34
